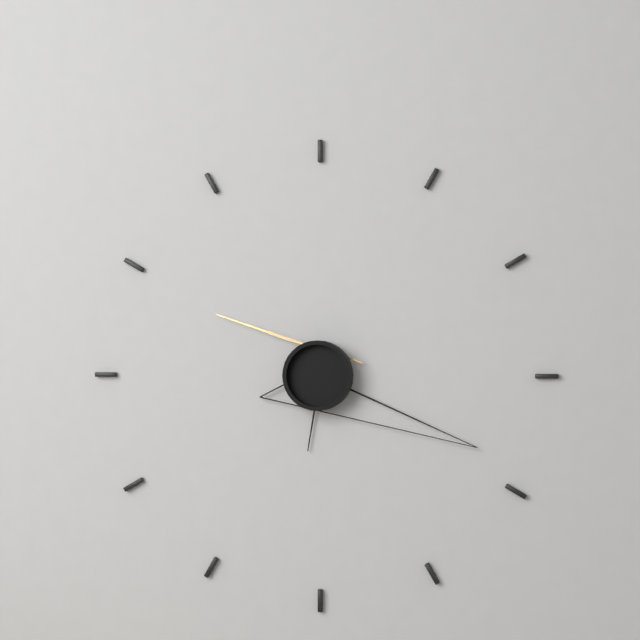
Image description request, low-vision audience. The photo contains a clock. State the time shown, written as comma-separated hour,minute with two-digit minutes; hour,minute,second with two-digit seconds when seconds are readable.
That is 6,19,50
